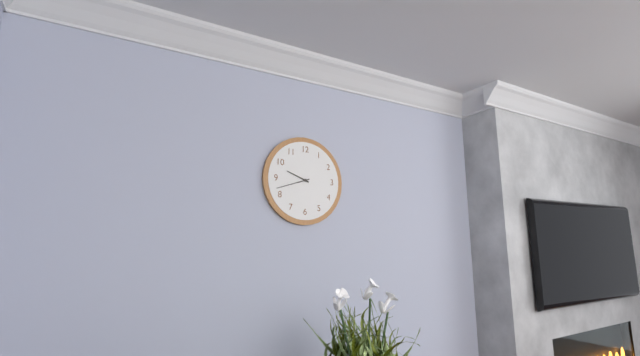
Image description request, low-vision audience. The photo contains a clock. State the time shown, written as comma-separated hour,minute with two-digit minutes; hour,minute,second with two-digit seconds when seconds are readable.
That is 9,42
